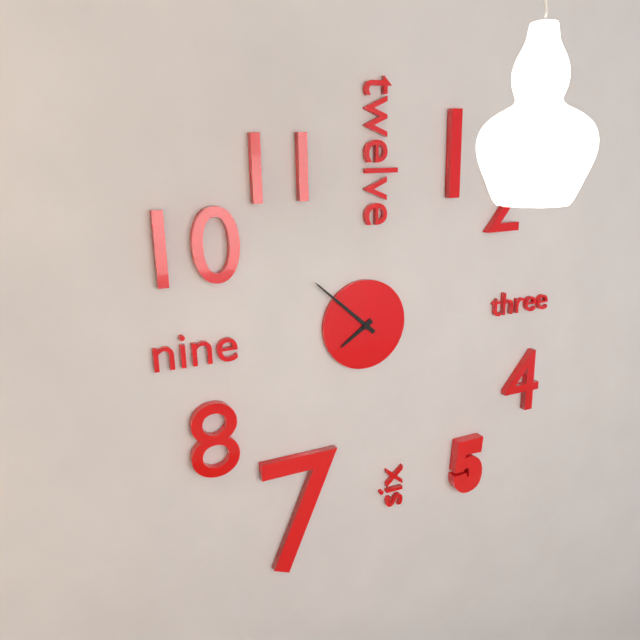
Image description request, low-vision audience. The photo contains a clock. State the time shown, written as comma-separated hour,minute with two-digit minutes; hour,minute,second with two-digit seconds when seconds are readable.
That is 7,52
